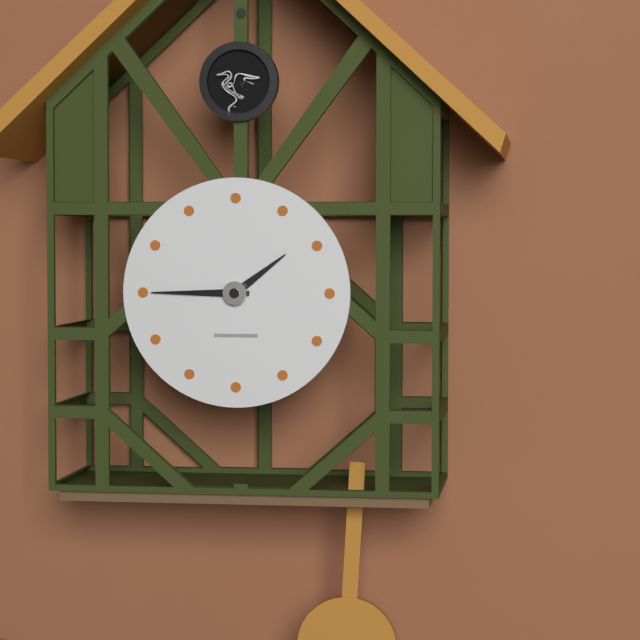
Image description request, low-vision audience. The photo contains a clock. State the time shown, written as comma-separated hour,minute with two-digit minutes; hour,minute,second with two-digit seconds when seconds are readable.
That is 1,45
